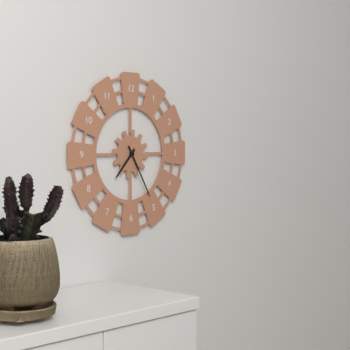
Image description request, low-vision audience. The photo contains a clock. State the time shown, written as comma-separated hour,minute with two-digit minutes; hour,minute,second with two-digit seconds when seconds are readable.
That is 7,25
